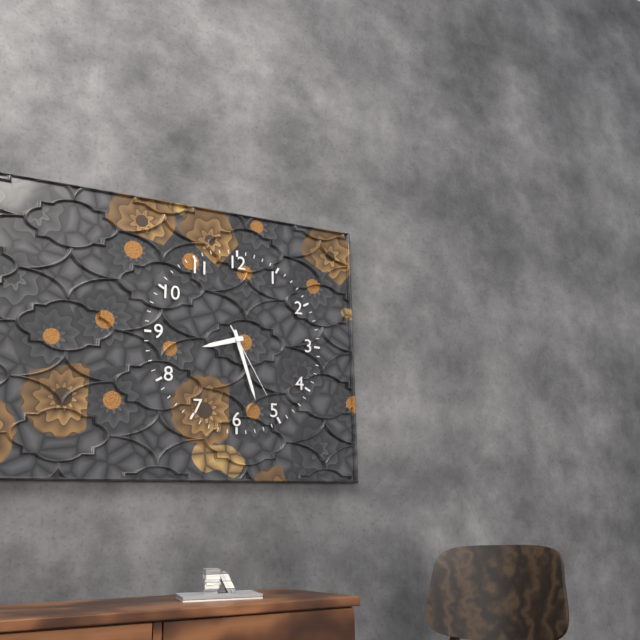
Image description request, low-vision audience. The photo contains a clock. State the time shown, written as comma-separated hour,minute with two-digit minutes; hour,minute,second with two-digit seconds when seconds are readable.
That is 8,27,25
